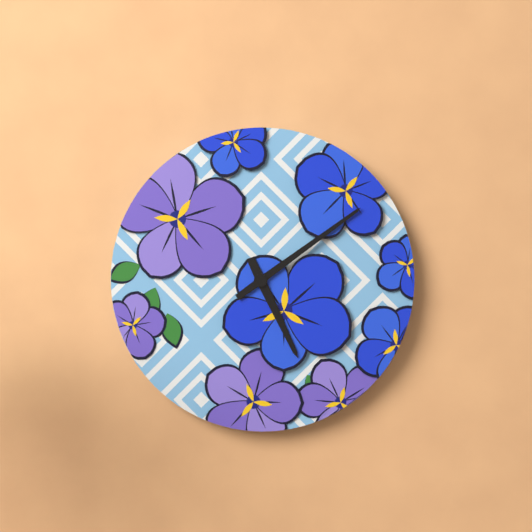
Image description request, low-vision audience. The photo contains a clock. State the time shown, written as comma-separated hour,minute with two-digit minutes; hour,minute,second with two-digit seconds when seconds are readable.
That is 5,09
